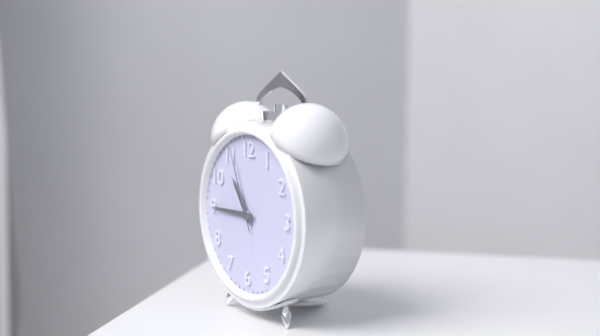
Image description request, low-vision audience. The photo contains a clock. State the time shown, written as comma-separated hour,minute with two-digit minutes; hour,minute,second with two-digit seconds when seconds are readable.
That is 10,45,56
